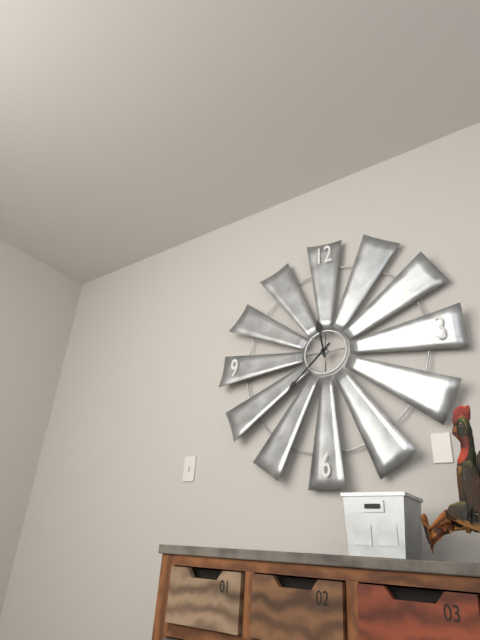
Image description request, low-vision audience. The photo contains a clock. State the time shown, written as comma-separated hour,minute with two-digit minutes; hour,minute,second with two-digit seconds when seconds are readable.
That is 11,38
